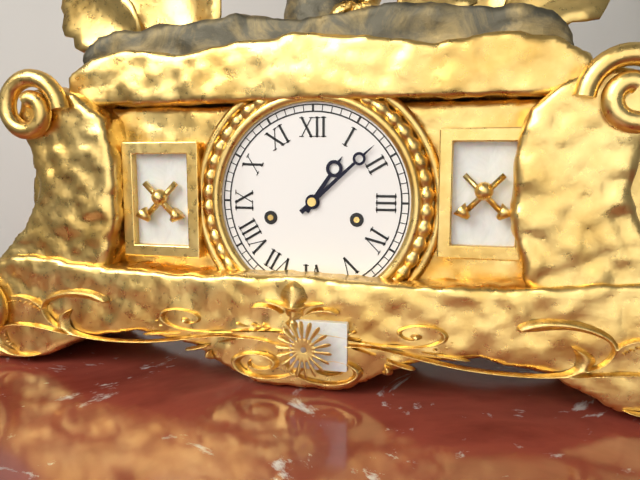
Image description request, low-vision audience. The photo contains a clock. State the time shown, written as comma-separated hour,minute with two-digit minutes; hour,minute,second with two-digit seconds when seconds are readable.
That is 1,08
